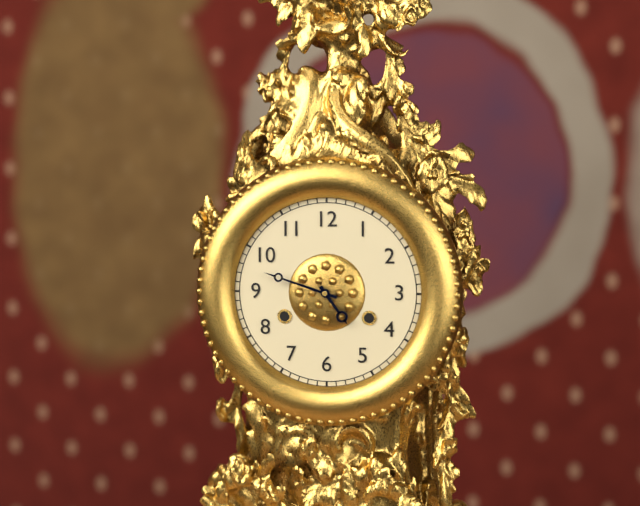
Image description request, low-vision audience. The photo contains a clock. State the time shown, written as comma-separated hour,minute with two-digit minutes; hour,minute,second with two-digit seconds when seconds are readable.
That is 4,48
